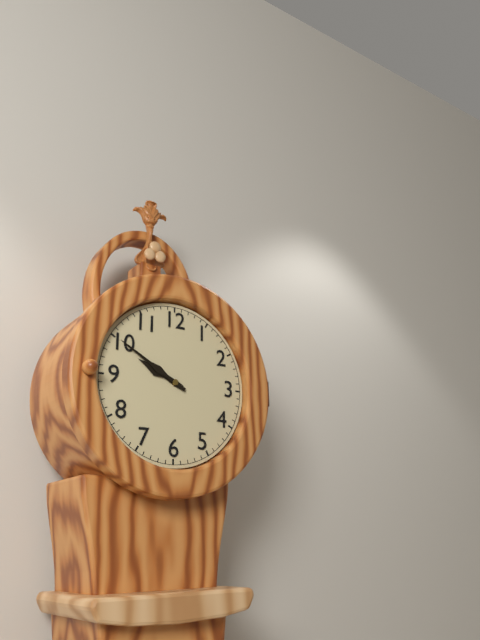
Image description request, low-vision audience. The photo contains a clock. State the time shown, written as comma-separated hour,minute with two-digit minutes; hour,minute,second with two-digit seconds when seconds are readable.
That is 9,50
